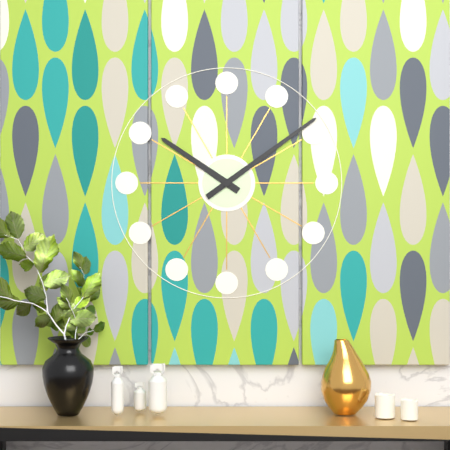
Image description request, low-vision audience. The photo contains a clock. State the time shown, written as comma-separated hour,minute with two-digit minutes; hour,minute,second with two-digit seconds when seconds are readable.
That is 10,09
